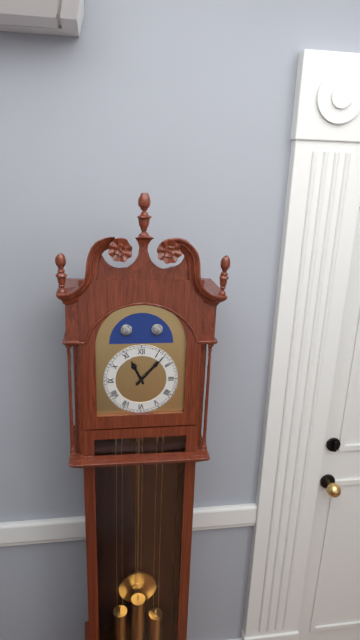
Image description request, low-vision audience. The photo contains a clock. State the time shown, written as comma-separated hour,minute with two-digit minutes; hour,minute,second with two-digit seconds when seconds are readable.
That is 11,07
